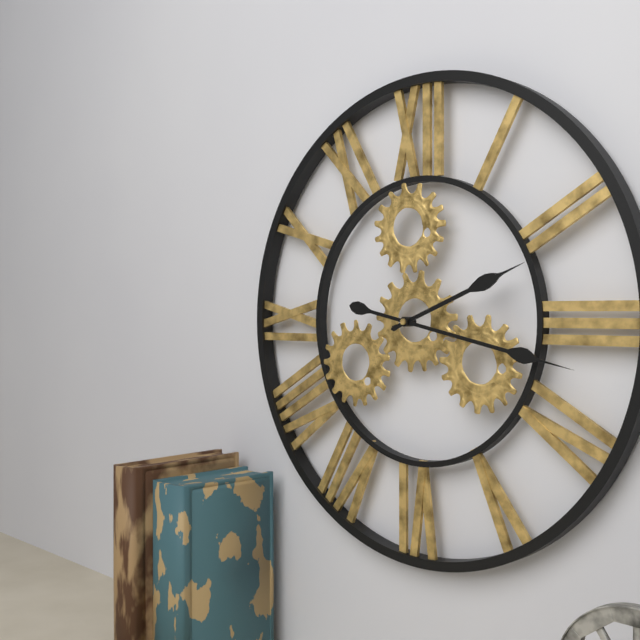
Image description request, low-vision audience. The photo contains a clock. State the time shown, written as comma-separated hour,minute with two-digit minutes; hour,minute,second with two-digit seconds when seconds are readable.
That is 2,17
